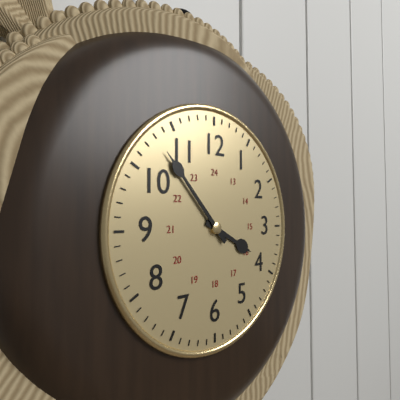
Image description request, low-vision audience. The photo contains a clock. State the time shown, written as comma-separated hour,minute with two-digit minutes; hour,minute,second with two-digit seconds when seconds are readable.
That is 3,53
